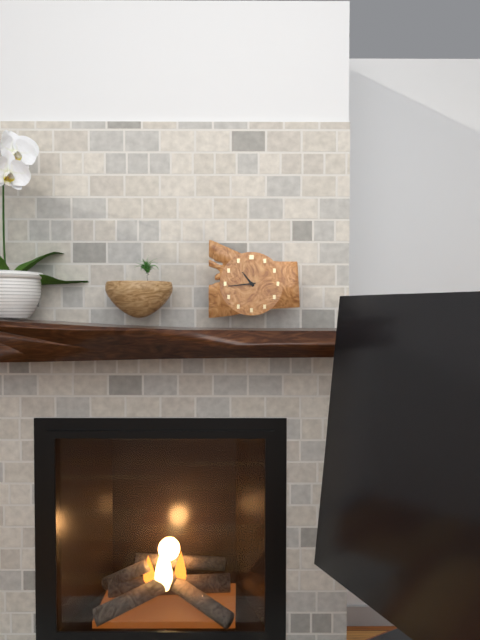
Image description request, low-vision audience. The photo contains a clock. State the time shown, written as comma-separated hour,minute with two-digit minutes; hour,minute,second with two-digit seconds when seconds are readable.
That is 10,44
